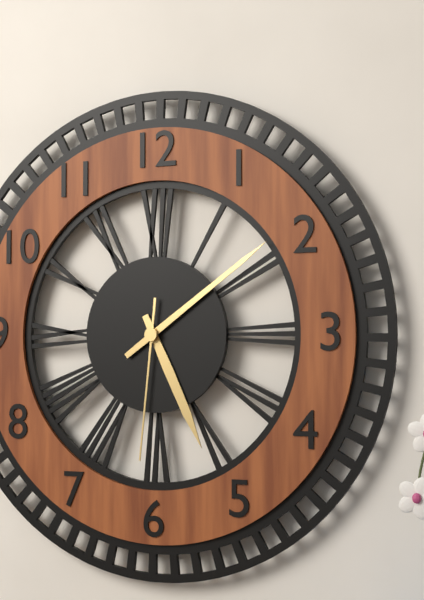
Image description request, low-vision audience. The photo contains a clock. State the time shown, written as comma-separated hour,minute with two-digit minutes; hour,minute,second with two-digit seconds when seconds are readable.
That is 5,09,31
